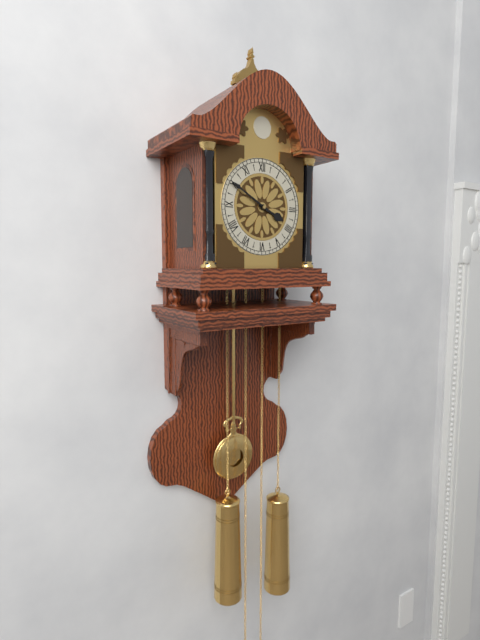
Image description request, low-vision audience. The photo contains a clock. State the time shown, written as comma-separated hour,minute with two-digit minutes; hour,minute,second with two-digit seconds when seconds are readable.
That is 3,50
